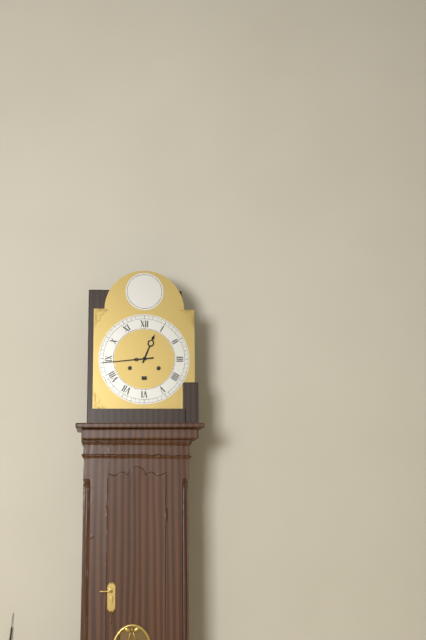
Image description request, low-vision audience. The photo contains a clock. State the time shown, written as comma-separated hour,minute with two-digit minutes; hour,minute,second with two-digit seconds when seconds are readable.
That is 12,44
